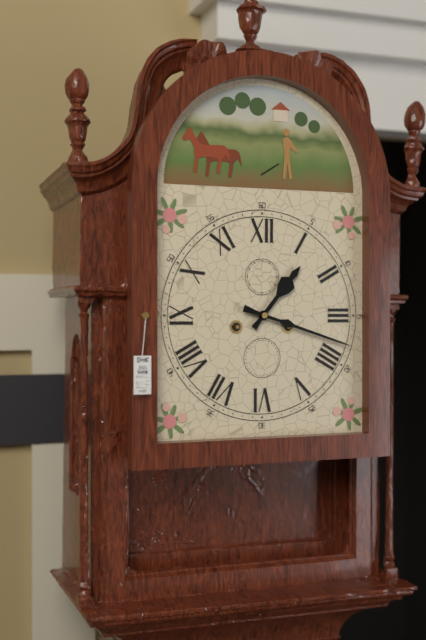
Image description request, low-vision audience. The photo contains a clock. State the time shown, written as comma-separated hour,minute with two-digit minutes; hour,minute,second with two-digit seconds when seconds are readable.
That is 1,18
